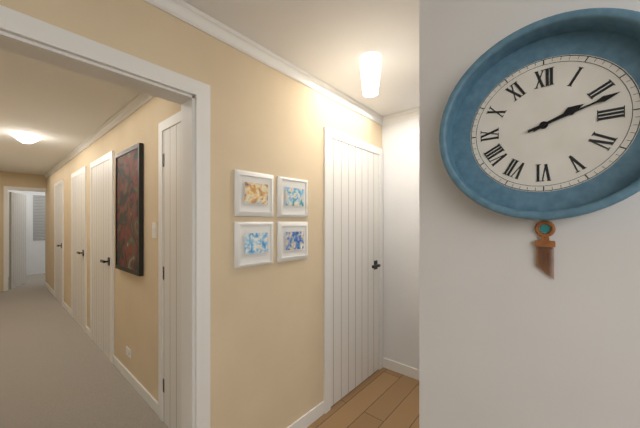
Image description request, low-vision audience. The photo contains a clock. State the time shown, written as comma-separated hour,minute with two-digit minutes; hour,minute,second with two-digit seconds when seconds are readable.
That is 2,12
